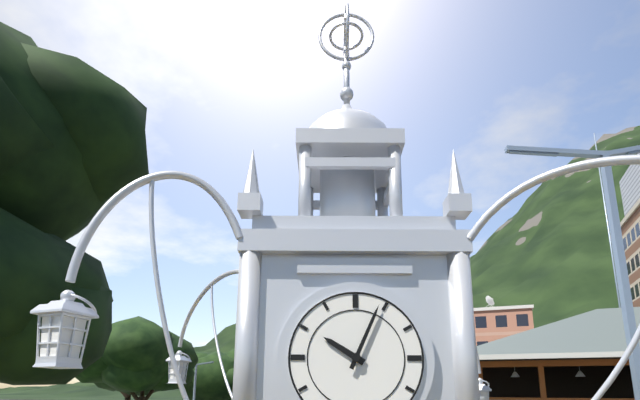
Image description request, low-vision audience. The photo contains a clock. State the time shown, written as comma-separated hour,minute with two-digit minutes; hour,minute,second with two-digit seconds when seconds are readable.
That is 10,04
